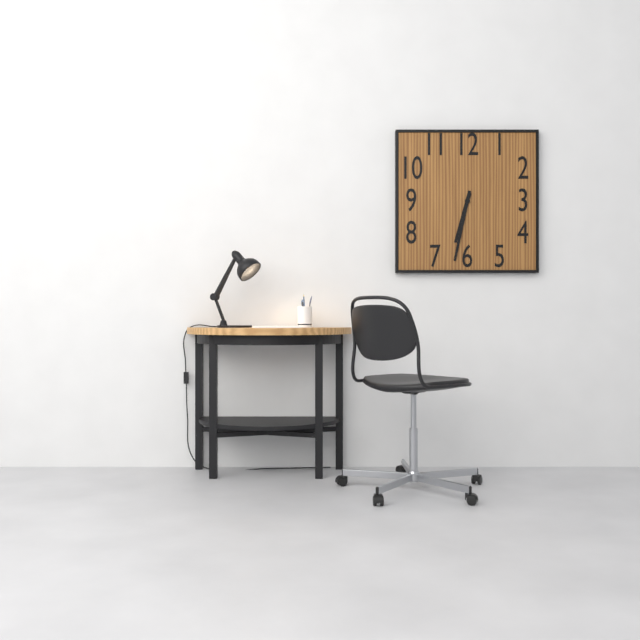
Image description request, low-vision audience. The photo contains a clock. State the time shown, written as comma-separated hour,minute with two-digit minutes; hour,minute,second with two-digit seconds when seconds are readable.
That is 6,32
